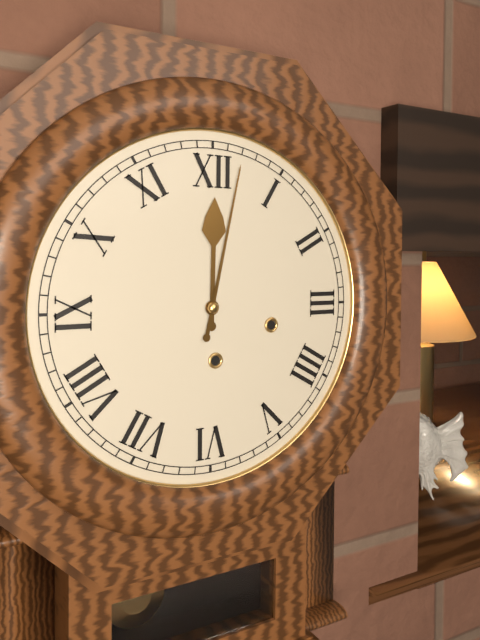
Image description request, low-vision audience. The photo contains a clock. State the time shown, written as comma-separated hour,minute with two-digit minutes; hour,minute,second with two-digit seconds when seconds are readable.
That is 12,02
